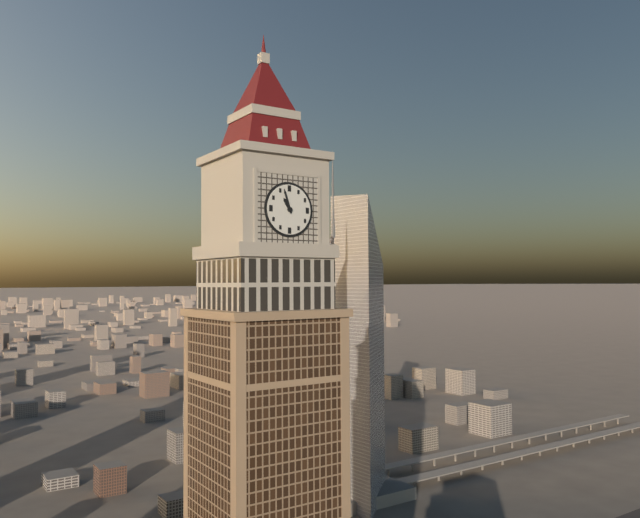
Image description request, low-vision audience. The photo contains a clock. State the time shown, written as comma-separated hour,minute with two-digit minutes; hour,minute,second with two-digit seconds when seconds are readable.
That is 10,57
